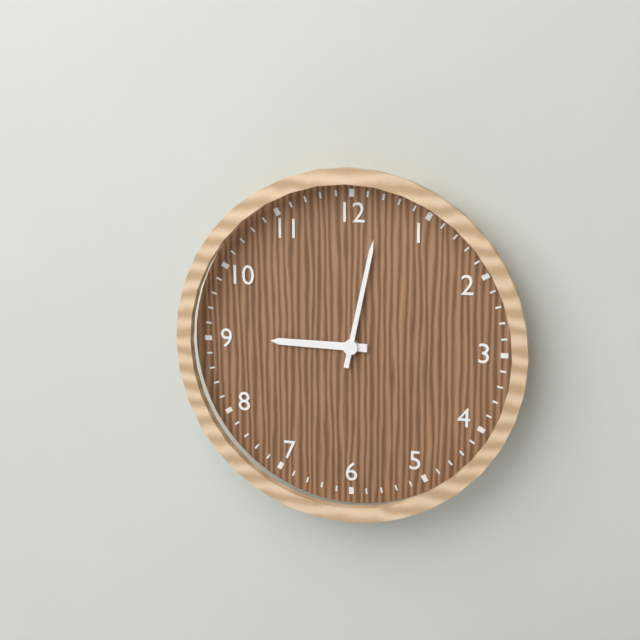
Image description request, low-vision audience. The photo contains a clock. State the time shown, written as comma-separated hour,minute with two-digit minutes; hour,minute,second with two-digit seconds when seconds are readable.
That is 9,02
